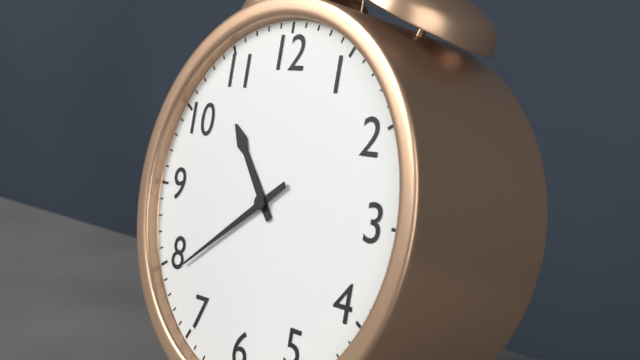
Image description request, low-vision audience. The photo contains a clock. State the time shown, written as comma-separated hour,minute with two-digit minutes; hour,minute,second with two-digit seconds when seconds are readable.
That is 10,39
